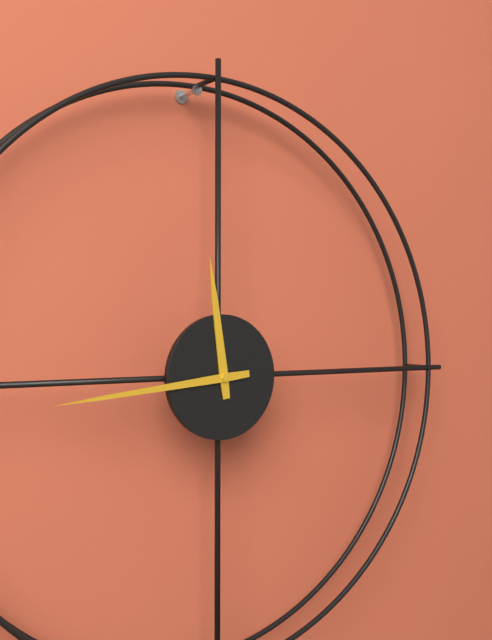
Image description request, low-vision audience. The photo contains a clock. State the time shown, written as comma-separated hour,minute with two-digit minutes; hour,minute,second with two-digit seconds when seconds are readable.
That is 11,44
